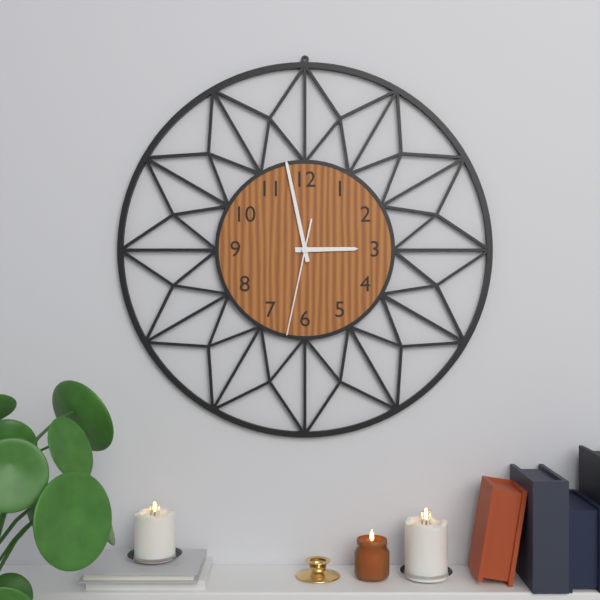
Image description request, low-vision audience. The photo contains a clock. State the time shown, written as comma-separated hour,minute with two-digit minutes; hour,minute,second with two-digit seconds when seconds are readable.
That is 2,58,32
